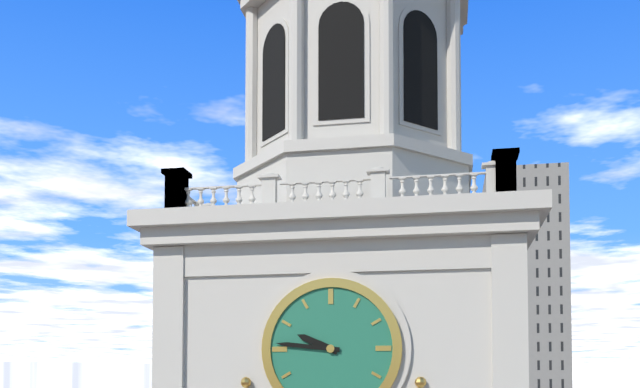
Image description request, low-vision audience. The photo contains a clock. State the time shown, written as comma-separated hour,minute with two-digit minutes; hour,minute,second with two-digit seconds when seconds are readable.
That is 9,46
